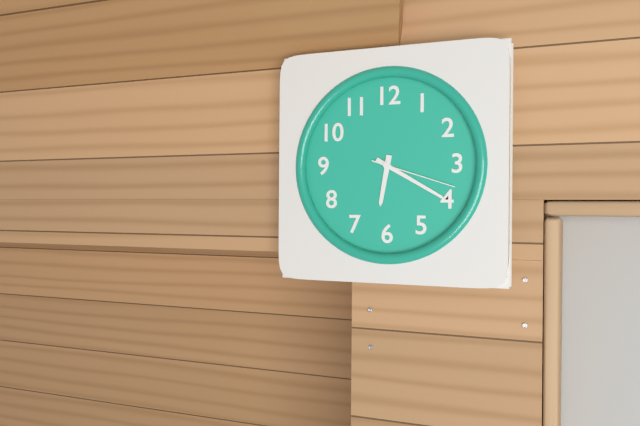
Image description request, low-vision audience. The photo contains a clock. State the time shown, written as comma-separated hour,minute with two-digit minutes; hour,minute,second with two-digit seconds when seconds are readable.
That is 6,20,18
